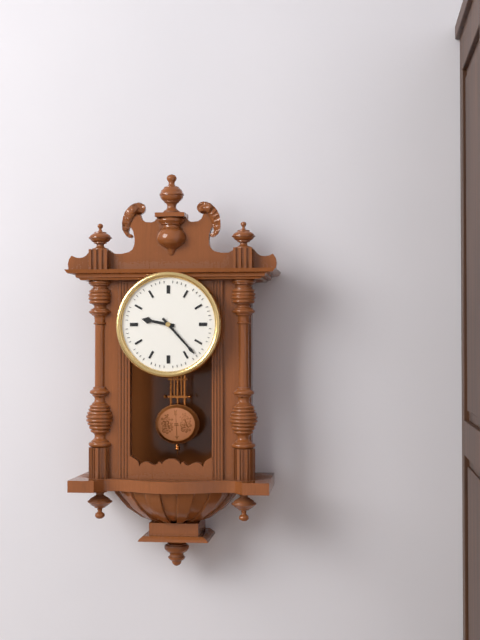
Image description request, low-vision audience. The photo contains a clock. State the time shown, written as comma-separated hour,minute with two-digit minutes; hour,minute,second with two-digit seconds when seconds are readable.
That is 9,23
